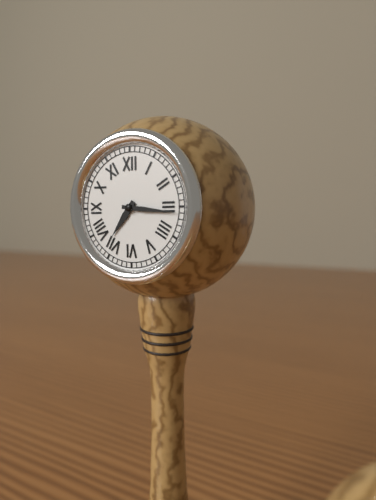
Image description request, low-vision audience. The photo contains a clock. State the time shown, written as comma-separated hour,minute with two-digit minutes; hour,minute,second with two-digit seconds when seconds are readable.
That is 7,16
